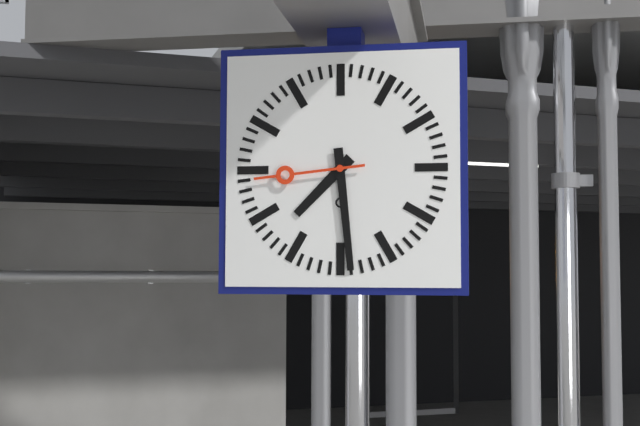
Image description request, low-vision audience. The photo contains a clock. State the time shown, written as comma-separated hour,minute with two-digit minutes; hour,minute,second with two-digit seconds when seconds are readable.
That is 7,29,44
